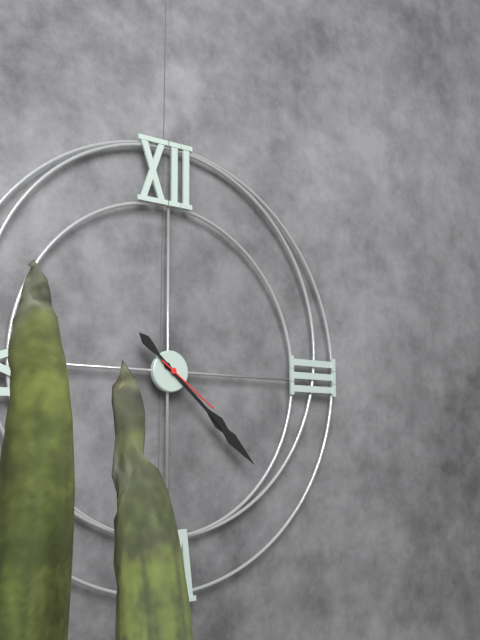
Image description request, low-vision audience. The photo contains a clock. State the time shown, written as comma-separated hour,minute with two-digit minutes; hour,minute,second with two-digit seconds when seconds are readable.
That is 4,22,21
